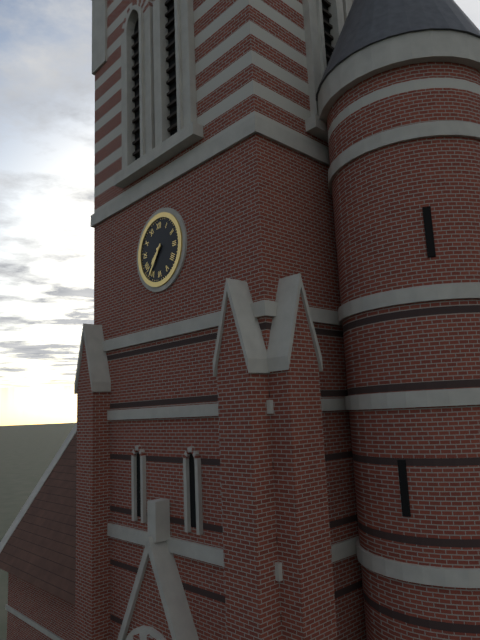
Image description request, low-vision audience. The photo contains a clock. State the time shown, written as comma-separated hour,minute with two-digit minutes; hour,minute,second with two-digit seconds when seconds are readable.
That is 7,36
